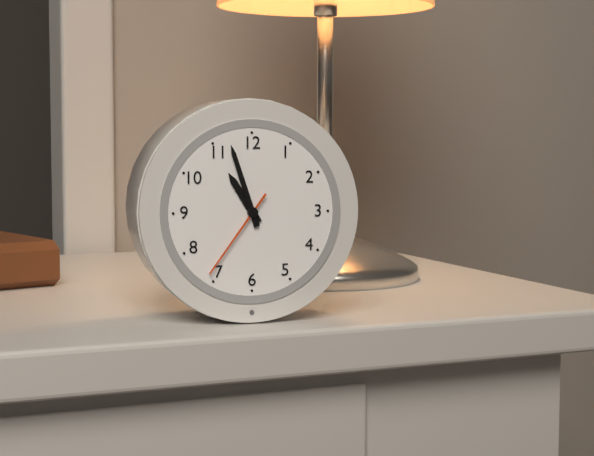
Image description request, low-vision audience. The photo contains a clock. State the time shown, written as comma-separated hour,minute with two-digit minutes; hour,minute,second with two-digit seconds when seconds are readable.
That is 10,57,36
